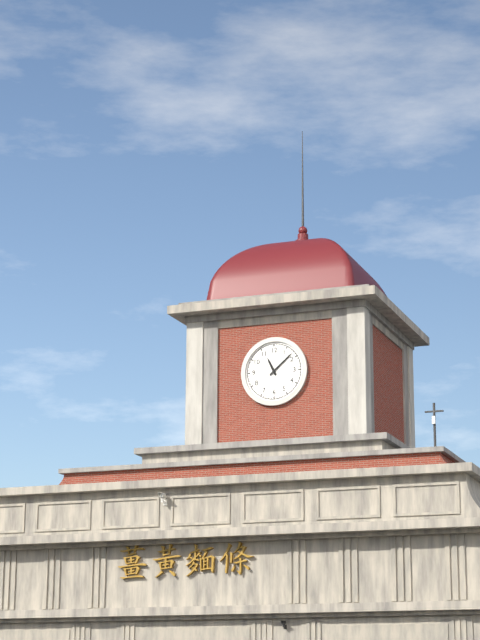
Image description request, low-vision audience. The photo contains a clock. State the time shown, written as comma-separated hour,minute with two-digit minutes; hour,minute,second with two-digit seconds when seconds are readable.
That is 11,08
